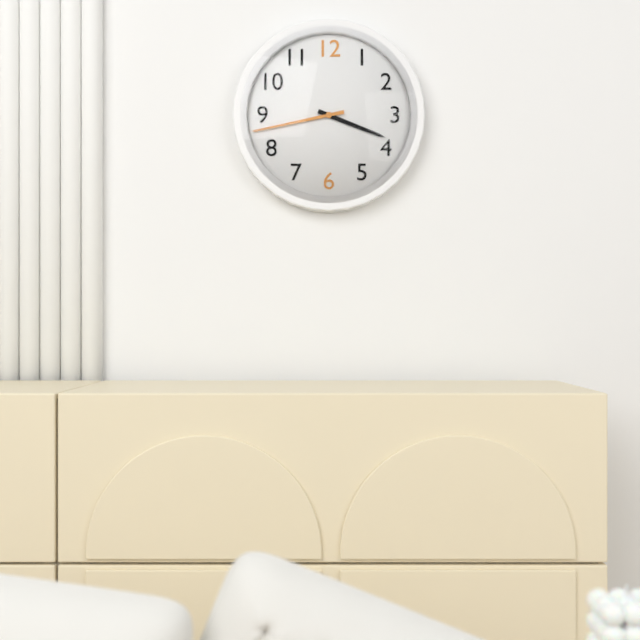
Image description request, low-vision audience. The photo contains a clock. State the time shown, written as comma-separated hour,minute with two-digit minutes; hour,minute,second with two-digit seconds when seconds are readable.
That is 3,43
